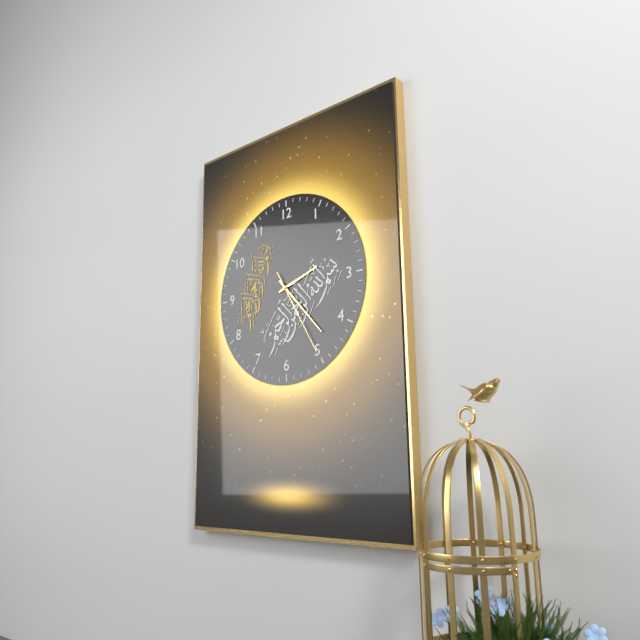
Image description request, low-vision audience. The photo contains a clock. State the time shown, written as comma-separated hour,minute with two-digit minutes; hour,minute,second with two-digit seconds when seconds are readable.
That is 2,23,25
